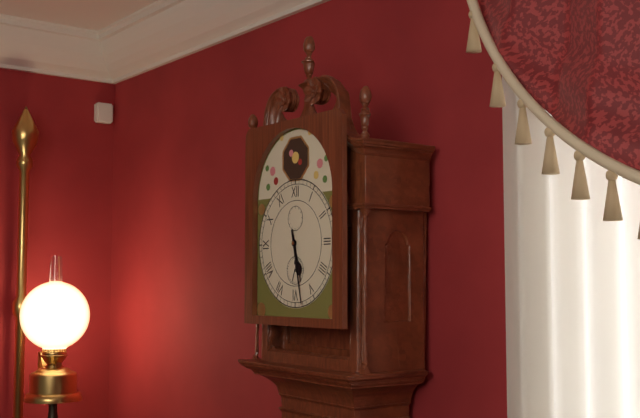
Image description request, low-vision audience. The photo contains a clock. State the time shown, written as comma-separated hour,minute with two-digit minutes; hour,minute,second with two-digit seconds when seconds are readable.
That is 5,28
